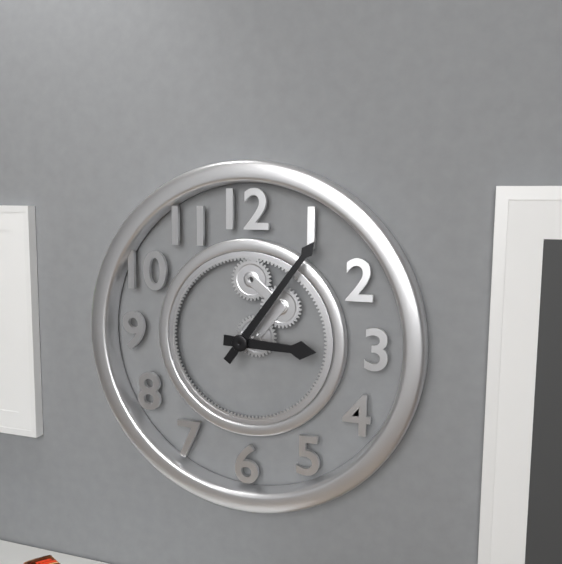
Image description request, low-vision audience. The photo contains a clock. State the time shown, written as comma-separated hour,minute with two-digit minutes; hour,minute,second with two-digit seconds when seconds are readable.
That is 3,06
